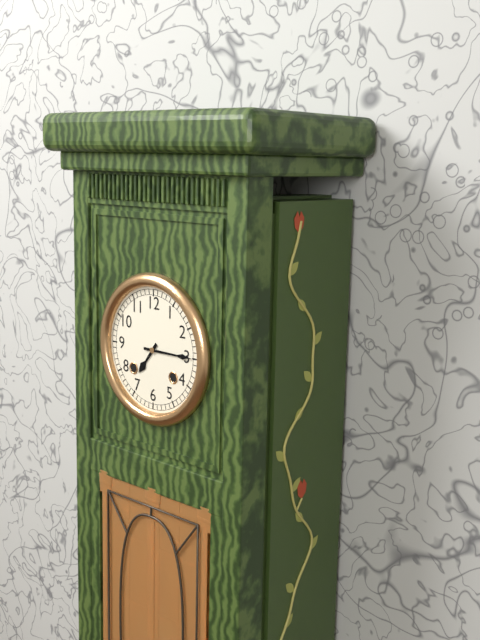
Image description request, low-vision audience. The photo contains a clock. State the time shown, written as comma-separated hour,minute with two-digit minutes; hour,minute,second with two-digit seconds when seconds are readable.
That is 7,15
